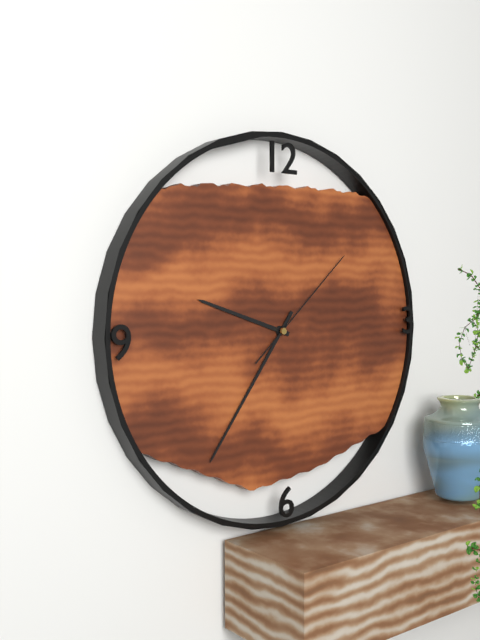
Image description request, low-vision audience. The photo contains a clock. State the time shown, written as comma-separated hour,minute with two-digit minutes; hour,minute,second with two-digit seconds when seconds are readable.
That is 9,36,08
